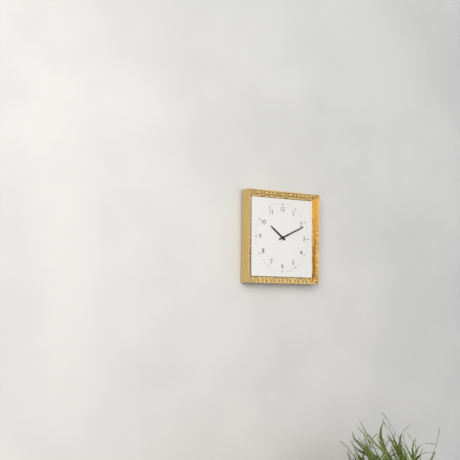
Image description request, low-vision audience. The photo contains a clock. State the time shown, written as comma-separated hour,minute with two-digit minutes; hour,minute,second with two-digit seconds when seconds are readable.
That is 10,11
